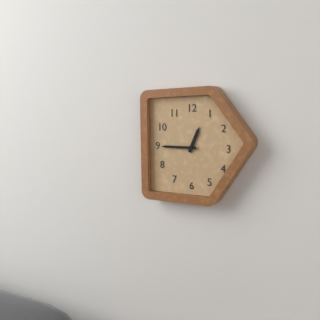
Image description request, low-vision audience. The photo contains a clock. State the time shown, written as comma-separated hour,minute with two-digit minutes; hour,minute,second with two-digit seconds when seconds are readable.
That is 12,45
